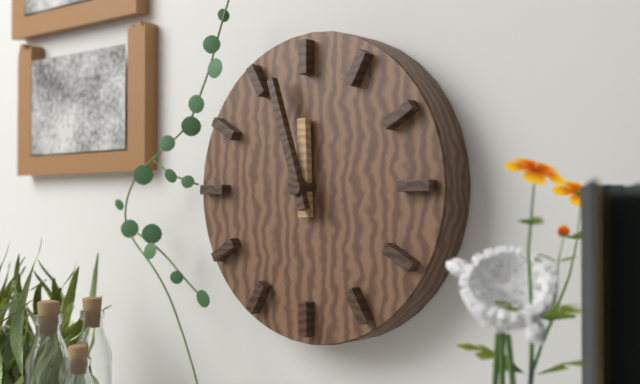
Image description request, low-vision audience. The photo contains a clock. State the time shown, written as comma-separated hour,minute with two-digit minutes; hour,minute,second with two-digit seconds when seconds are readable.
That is 11,57
